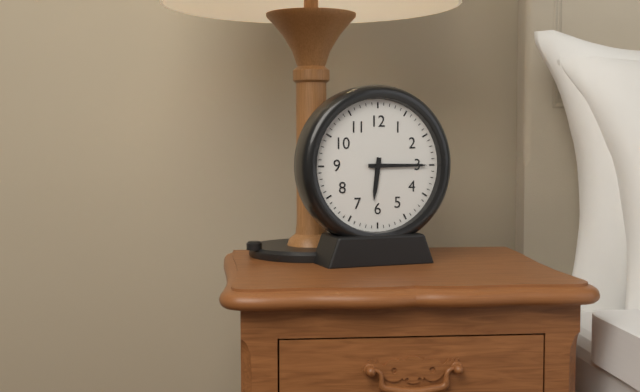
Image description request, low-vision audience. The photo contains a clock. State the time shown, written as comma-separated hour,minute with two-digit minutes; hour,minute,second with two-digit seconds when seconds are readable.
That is 6,15
